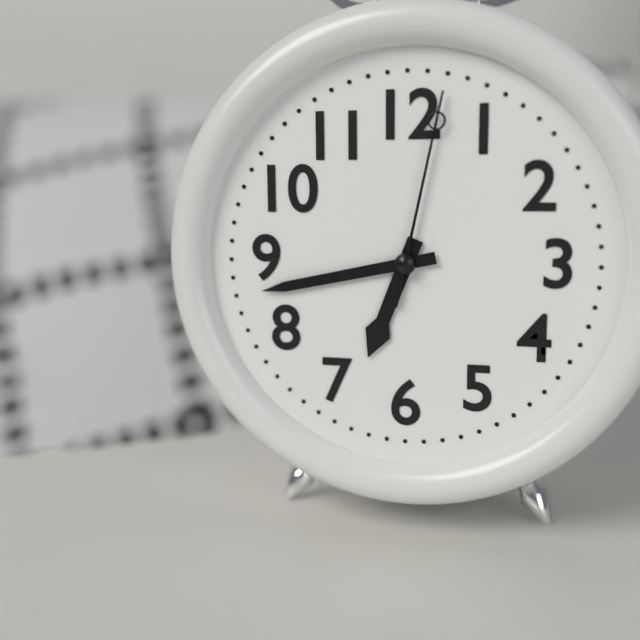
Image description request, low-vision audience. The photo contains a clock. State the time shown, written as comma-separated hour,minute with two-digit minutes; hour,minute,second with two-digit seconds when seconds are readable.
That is 6,43,02
